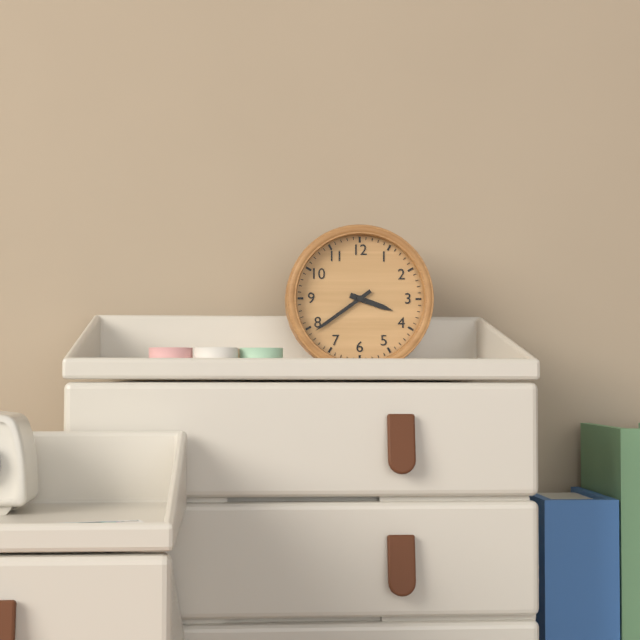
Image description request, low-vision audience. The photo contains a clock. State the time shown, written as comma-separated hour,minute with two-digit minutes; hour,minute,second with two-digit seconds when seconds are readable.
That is 3,39
